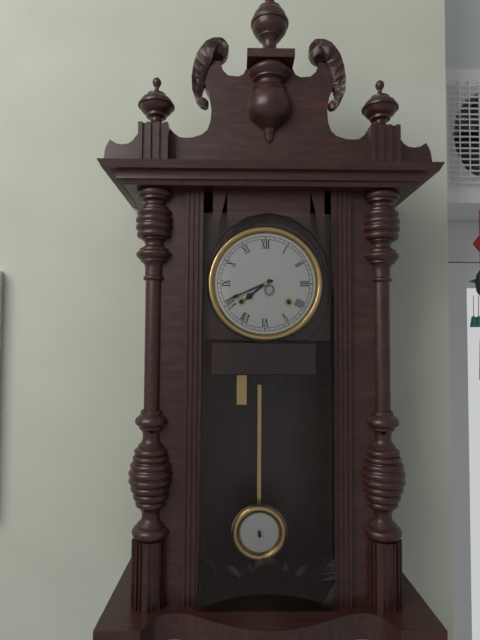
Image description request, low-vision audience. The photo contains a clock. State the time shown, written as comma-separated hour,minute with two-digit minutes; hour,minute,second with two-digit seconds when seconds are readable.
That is 7,41
